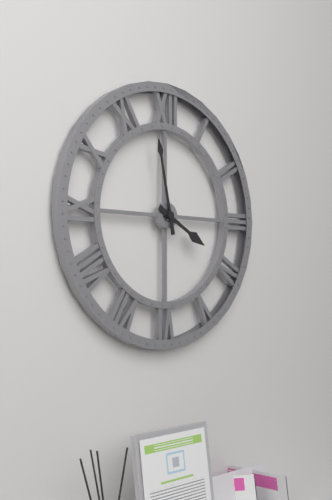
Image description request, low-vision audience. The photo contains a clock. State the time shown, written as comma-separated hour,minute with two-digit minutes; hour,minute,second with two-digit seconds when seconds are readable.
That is 3,58
